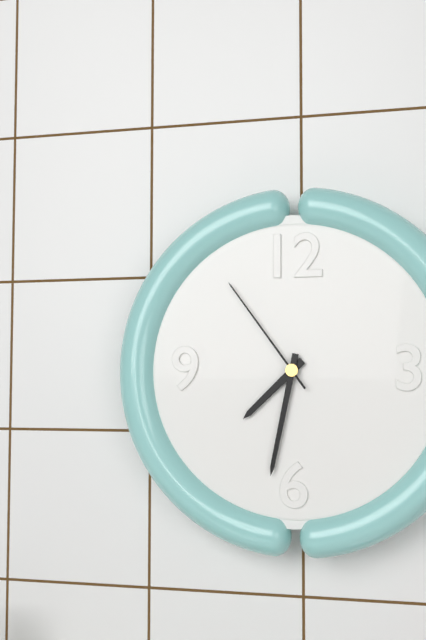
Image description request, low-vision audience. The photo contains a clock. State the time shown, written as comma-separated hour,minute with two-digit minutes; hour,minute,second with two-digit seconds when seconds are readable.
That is 7,32,54
